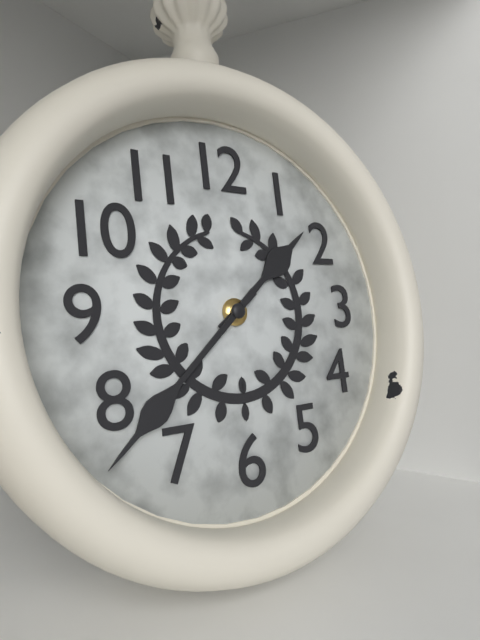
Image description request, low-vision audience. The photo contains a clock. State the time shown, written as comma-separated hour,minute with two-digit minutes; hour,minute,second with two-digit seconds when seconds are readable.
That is 1,38
